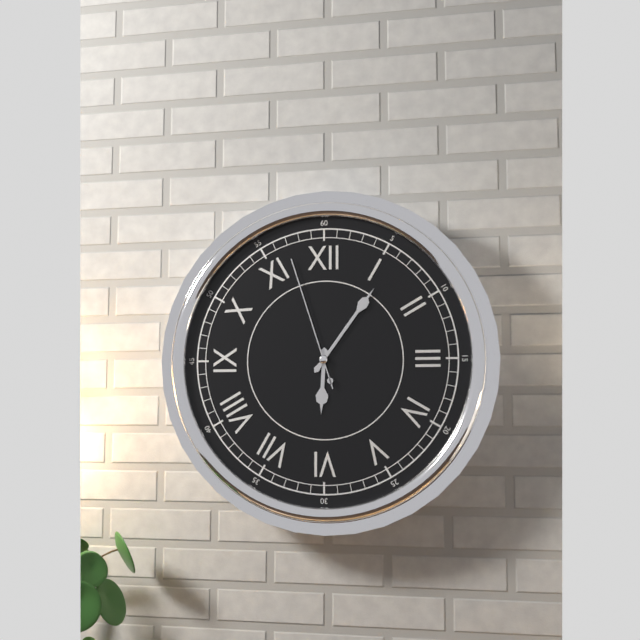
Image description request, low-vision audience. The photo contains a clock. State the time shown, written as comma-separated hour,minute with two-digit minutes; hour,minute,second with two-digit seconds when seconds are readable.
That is 6,06,57
